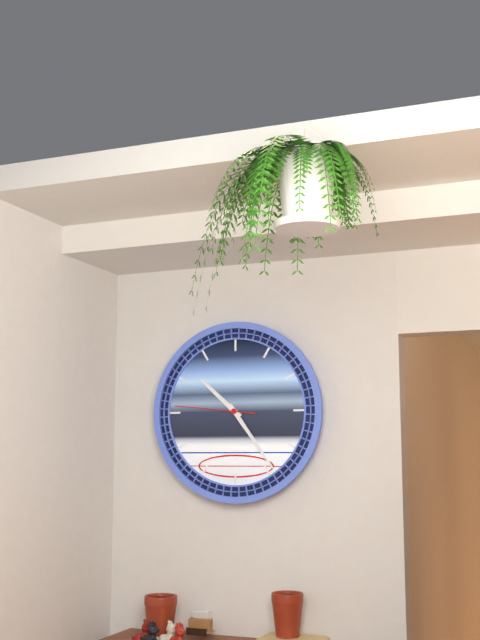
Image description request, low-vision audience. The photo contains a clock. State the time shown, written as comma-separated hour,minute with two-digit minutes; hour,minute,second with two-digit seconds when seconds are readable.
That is 10,24,46
